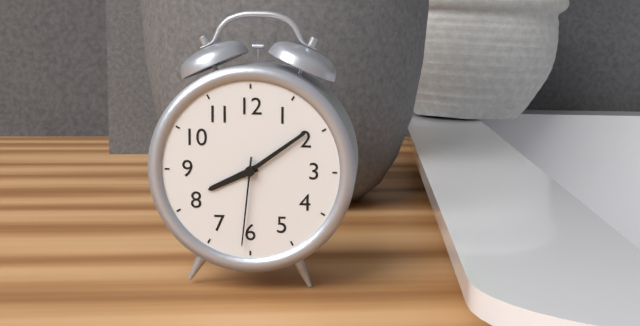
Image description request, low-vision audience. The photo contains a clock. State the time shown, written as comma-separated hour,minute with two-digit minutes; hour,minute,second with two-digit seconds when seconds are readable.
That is 8,09,31
